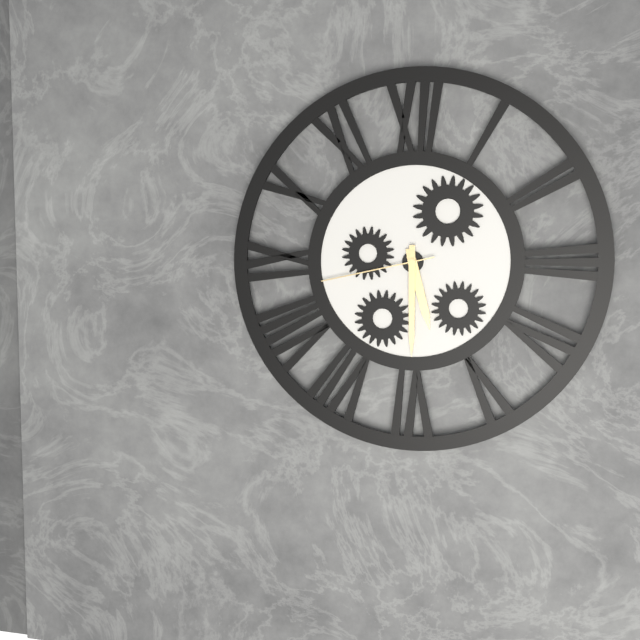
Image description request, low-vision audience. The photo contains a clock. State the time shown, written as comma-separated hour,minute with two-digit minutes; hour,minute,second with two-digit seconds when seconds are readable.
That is 5,30,43
